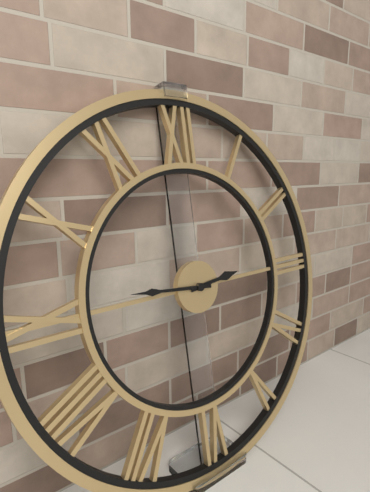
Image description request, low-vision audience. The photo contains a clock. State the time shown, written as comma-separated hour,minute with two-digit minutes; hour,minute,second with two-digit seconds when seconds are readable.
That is 2,46
